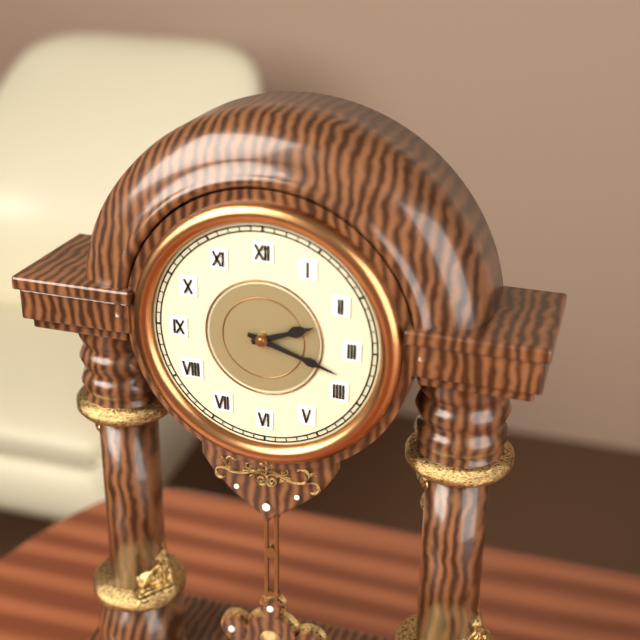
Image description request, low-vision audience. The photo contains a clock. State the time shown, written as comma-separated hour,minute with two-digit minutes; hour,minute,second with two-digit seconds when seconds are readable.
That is 2,18
